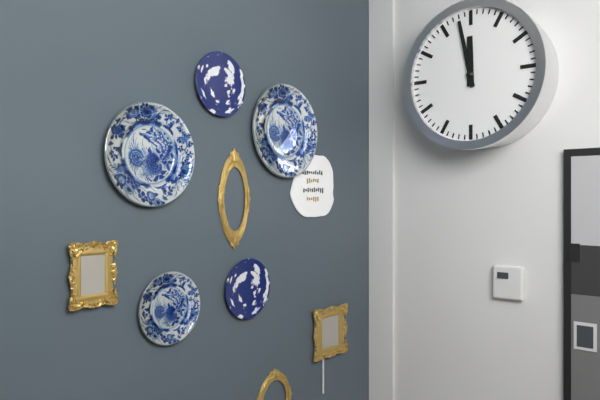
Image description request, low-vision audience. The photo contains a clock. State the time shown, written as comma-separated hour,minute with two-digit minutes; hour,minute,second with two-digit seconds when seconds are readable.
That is 11,58
